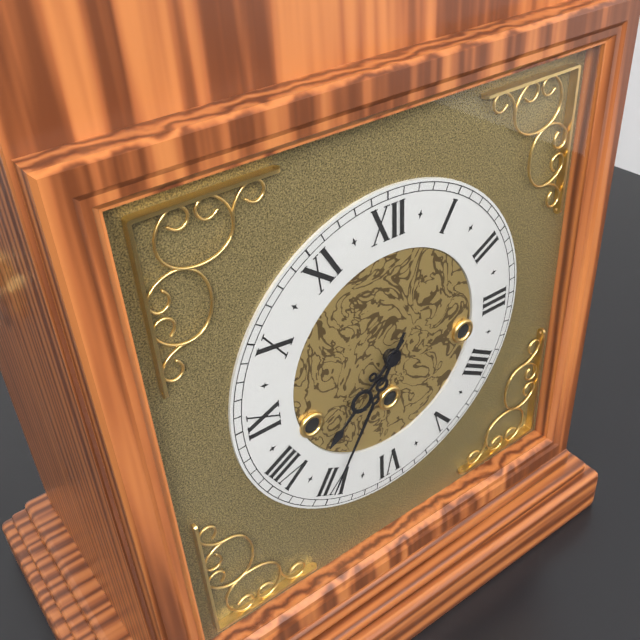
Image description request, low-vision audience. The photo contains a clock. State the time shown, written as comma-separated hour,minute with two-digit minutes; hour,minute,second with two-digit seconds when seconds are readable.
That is 7,35
